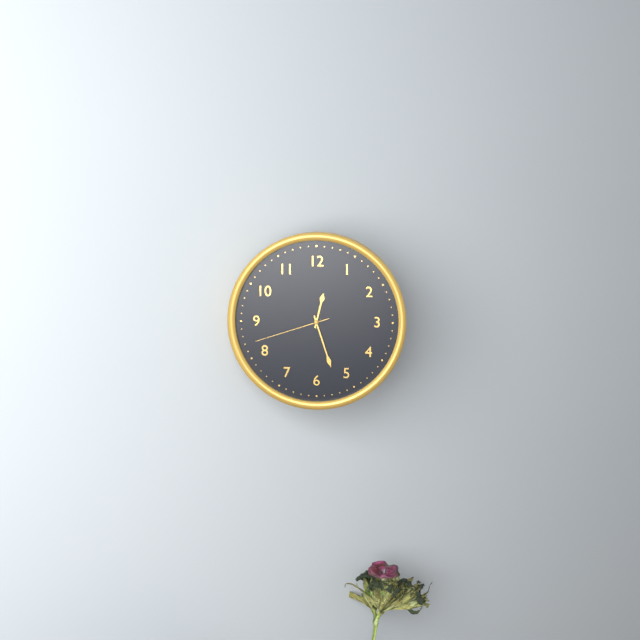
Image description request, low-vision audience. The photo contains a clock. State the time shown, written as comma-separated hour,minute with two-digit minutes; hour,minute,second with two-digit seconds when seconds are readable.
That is 12,27,42
